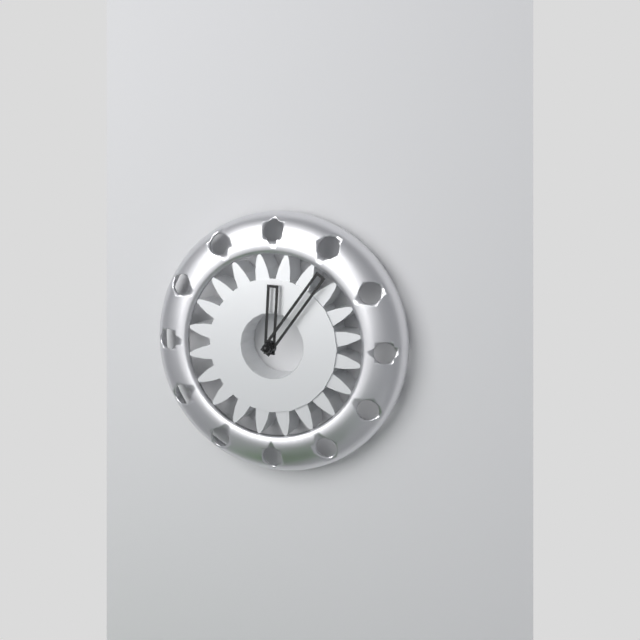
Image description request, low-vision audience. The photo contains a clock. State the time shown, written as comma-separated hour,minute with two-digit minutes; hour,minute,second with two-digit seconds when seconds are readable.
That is 12,06
